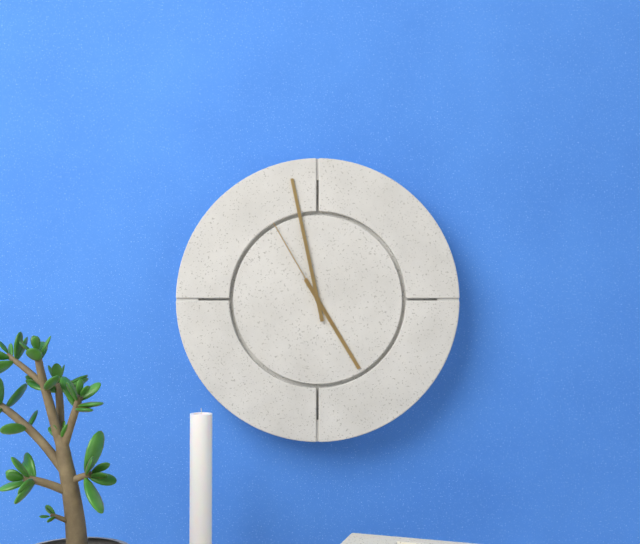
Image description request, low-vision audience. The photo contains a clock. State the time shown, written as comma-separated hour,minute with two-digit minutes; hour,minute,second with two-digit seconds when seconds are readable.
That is 4,58,55
